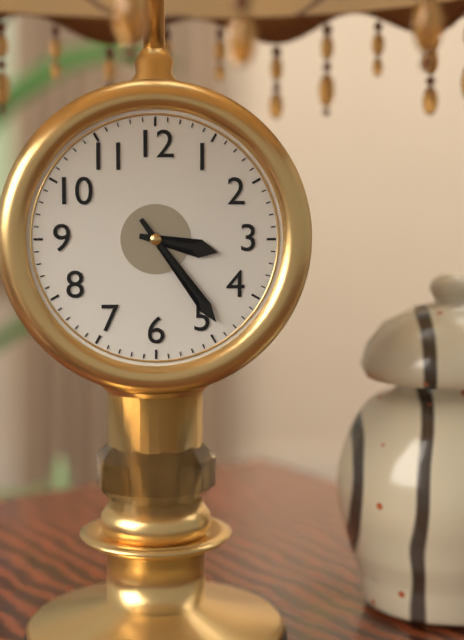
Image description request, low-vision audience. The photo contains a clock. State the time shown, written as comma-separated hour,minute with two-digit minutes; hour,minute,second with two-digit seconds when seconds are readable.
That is 3,24
